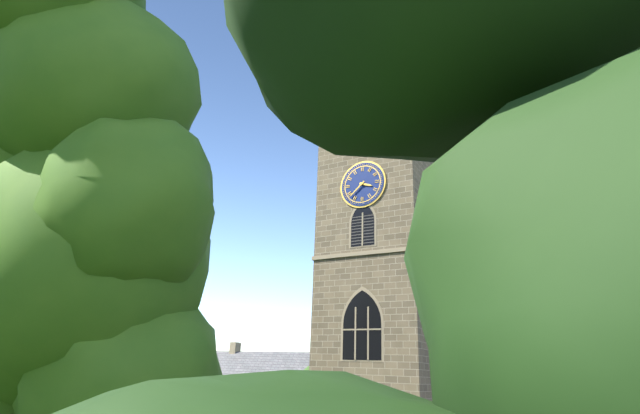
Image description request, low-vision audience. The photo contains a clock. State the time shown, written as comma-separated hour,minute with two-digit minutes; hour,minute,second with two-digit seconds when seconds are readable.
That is 3,38
